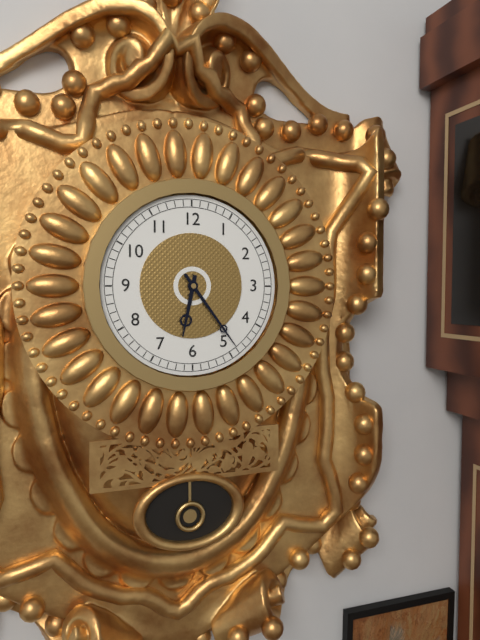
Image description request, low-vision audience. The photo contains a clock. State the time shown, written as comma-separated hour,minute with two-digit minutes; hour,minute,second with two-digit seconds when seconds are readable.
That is 6,24
